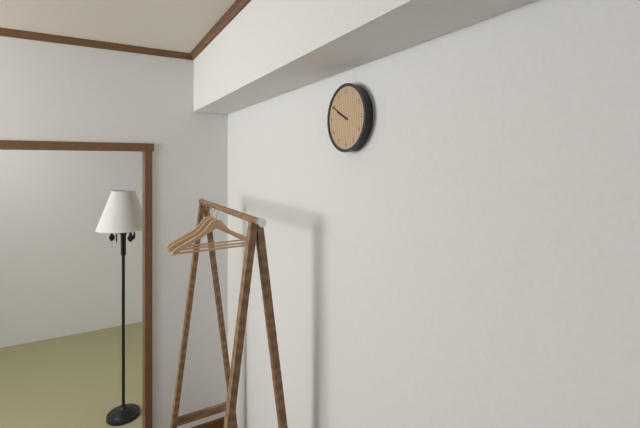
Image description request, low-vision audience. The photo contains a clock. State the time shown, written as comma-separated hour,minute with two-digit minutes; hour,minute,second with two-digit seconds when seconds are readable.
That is 9,50
